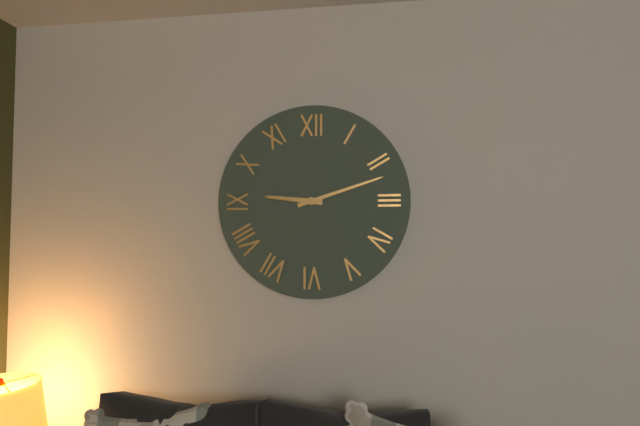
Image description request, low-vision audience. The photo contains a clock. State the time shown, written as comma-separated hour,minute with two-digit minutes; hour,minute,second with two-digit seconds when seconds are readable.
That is 9,12
